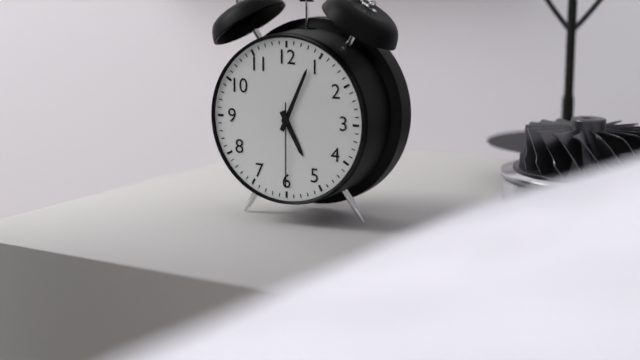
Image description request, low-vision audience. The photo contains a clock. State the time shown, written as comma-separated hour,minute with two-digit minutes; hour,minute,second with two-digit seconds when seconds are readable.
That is 5,04,30
